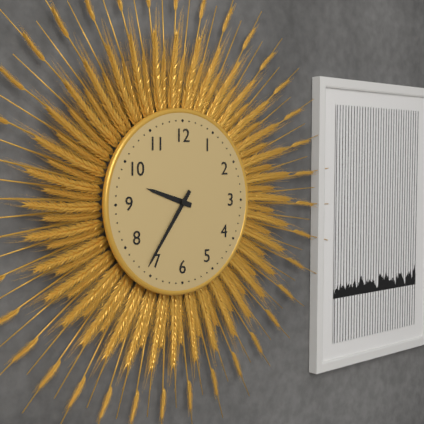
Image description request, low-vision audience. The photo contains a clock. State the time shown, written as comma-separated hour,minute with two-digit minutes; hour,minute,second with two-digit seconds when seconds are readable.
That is 9,36
